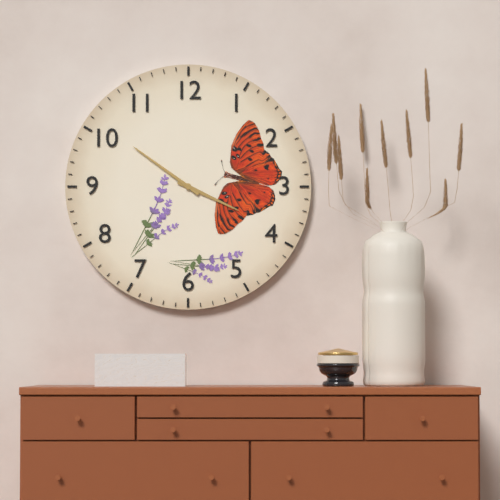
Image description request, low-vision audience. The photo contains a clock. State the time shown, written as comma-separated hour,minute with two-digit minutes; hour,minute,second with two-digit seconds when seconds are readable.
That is 3,51
